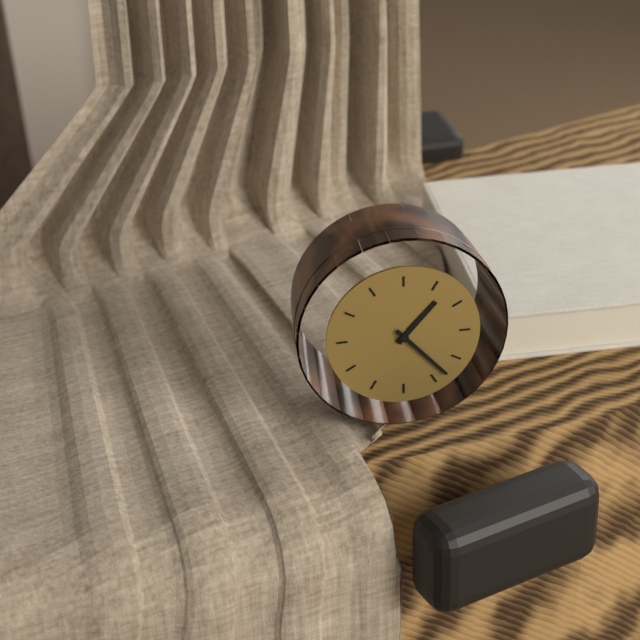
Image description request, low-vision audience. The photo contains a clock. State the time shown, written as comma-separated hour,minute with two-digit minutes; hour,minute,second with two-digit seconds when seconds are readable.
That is 1,23
